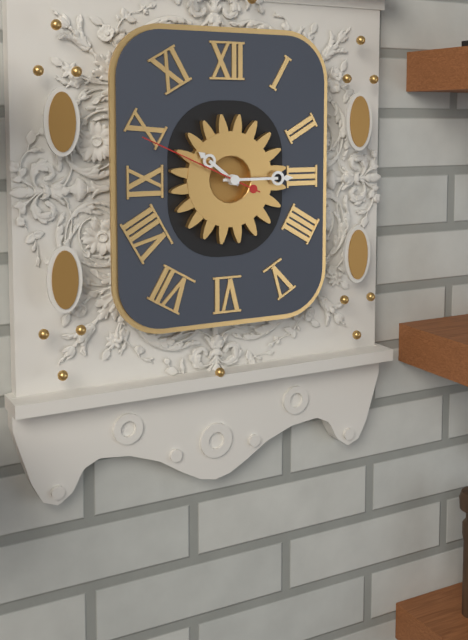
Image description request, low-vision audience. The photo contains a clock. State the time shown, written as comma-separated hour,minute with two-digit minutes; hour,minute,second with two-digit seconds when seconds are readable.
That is 10,15,49
